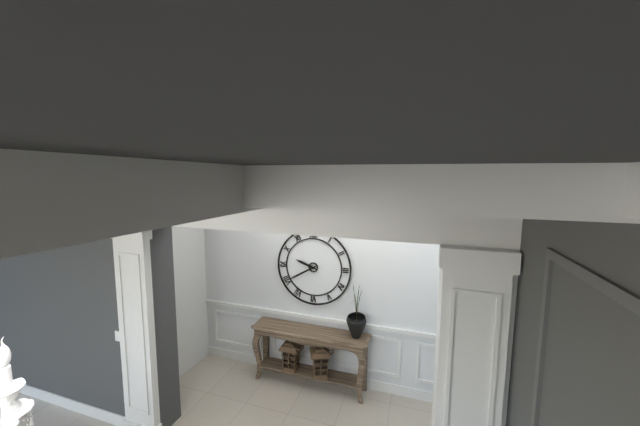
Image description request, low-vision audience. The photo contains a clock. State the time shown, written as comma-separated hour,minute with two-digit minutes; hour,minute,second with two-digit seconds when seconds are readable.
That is 9,40
